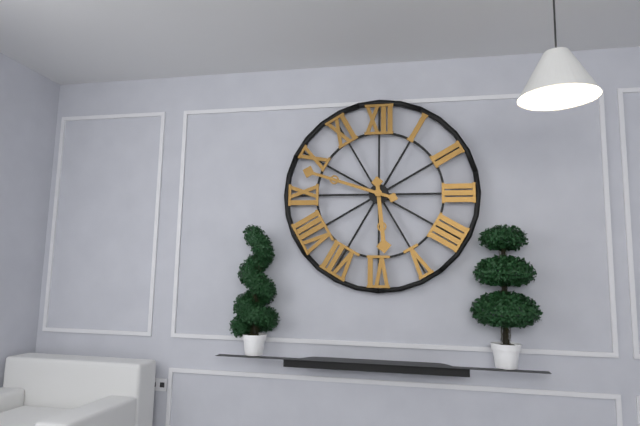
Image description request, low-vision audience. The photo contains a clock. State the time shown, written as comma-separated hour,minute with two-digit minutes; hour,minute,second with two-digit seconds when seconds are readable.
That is 5,48
